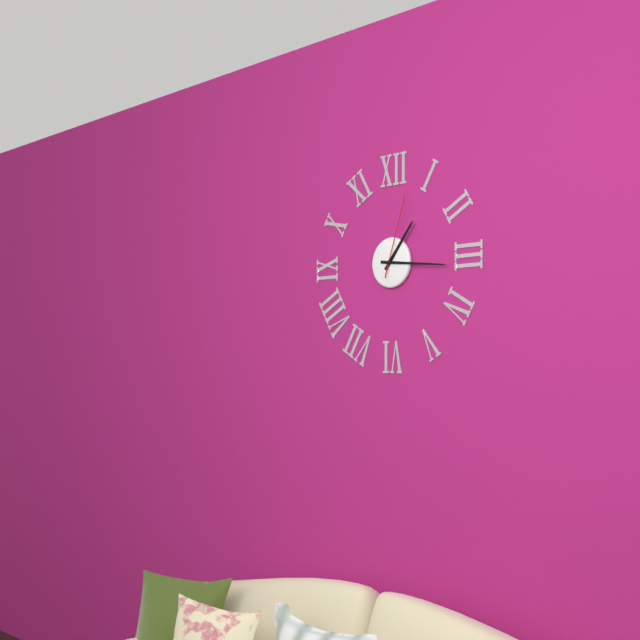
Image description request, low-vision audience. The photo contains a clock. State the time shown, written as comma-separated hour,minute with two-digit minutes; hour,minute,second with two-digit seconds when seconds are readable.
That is 1,16,03
